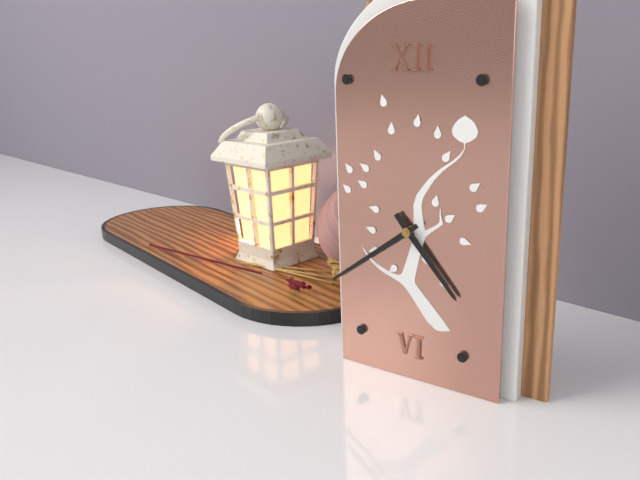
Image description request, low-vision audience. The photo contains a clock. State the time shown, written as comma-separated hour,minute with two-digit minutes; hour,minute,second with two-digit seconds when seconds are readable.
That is 4,39
